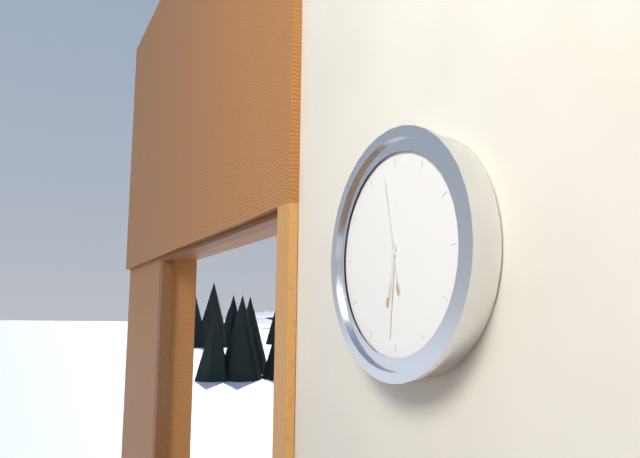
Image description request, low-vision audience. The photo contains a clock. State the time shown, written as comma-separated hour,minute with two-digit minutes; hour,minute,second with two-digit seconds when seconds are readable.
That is 6,31,58
